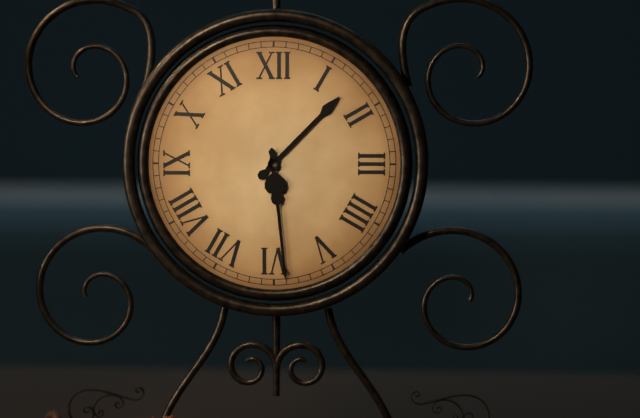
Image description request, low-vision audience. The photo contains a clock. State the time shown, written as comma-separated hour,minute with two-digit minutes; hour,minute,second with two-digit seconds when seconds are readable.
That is 1,29
